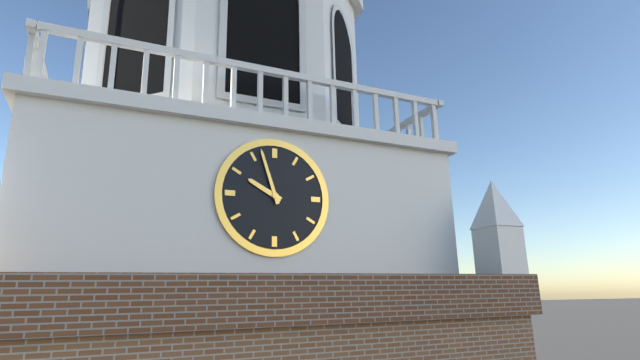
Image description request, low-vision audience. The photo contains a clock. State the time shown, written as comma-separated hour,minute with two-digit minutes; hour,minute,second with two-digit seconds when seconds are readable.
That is 9,57
